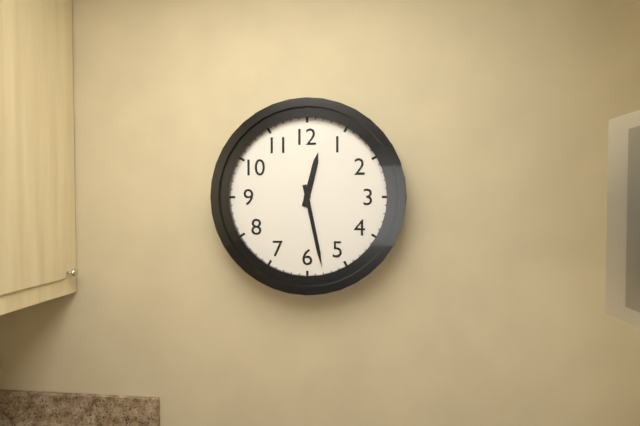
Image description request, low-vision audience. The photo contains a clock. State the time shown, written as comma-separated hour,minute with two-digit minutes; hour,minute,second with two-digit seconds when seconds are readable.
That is 12,28
